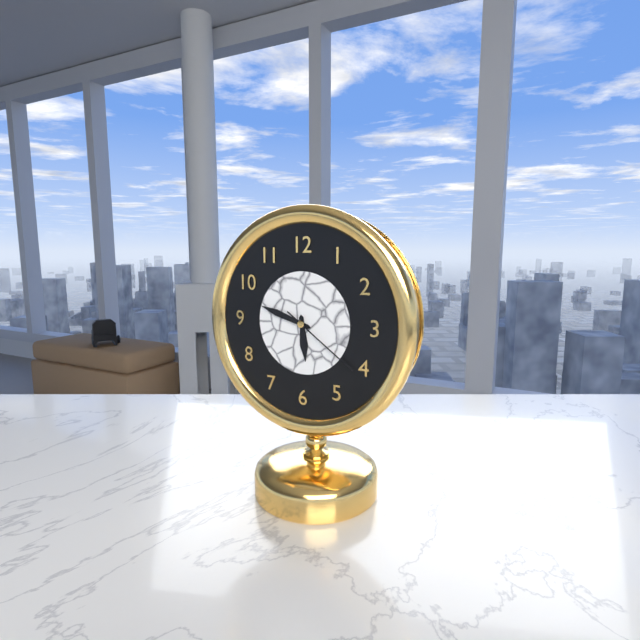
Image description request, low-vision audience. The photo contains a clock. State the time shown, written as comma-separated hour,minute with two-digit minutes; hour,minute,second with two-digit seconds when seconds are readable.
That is 5,48,21
